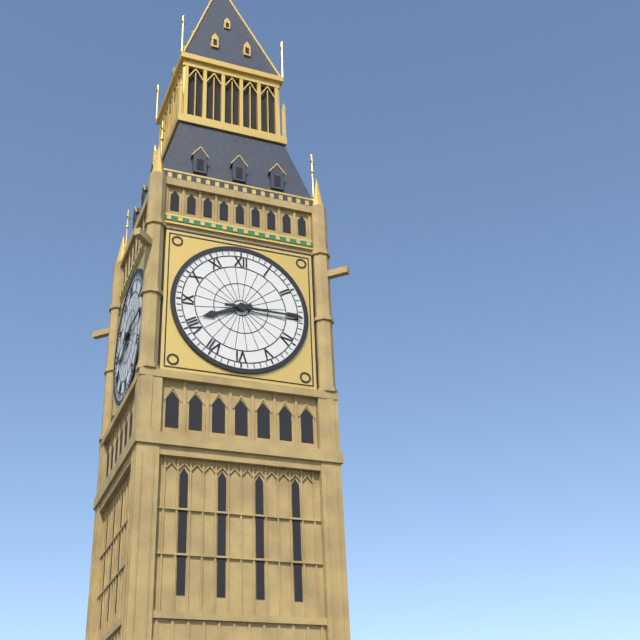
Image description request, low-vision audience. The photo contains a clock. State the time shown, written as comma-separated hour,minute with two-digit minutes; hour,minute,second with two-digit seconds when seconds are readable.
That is 8,15
